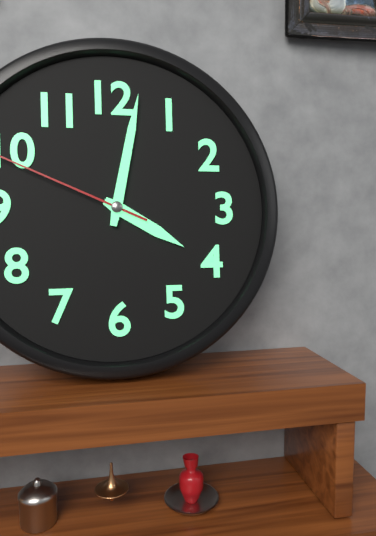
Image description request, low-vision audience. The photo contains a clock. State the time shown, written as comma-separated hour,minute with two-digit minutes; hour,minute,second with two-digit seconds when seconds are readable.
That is 4,02
